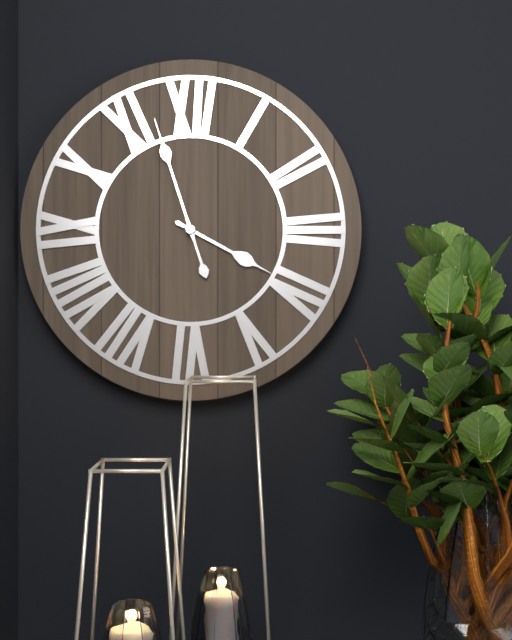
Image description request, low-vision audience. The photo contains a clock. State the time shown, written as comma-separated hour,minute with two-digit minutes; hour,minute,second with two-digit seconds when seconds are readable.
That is 3,57
